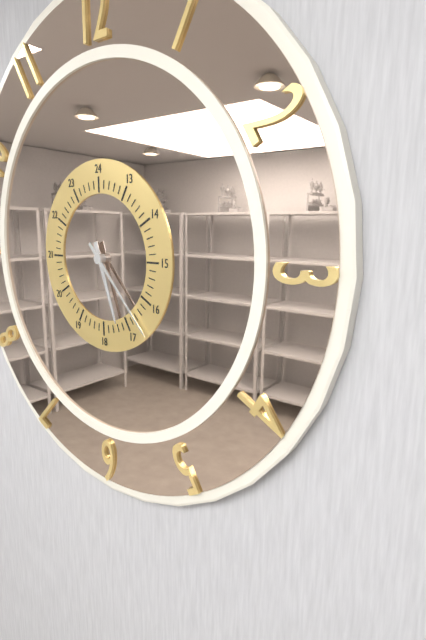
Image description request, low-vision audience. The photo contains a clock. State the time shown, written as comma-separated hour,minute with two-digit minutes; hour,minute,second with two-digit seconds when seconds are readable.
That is 5,23
